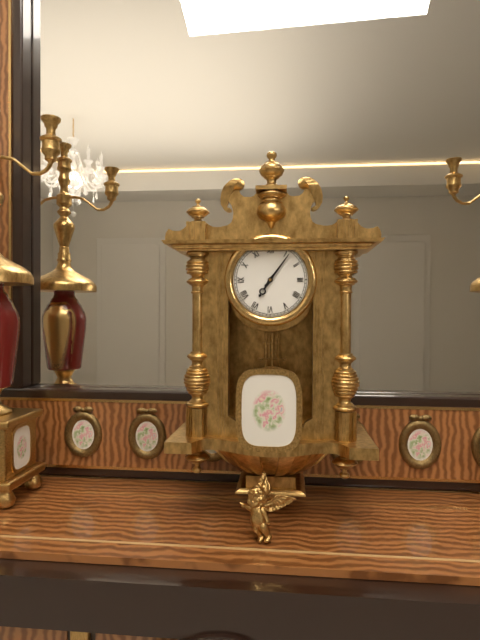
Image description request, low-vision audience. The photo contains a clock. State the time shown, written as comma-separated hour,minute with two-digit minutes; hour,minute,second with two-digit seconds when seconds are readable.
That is 7,06
